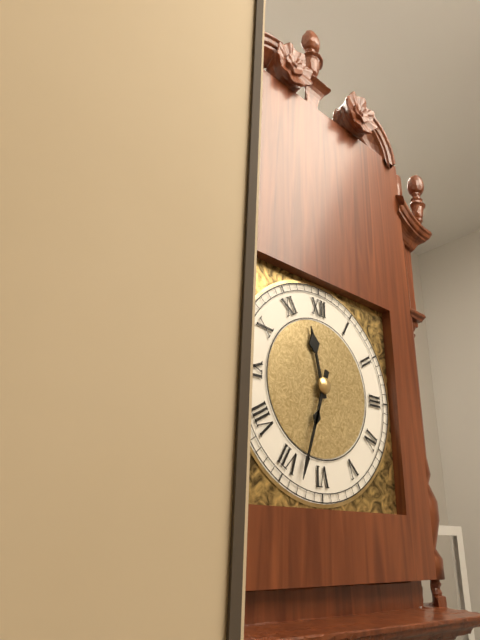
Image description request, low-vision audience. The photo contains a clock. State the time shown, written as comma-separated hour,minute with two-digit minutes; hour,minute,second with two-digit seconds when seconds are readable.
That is 11,33
